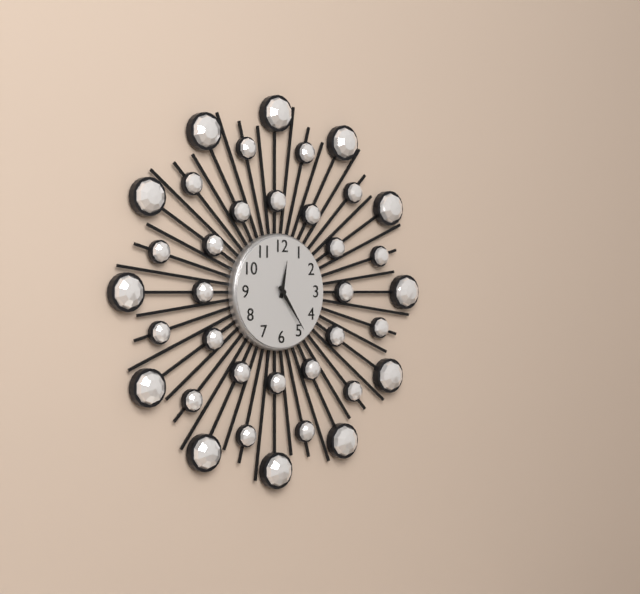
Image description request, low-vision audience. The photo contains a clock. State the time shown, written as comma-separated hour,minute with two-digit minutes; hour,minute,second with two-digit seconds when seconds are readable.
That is 12,24
